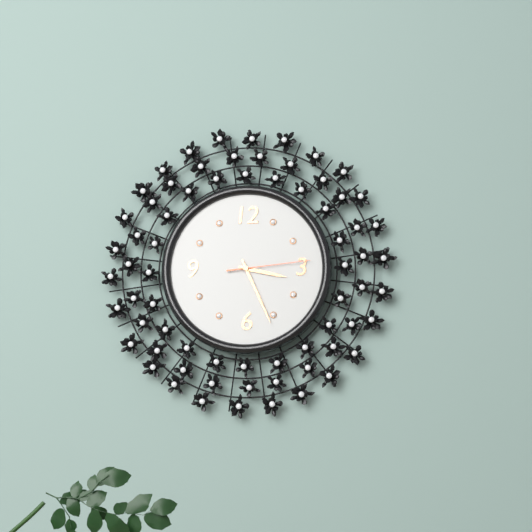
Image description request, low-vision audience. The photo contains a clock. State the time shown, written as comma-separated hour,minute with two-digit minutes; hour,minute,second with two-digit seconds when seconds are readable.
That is 3,26,14
